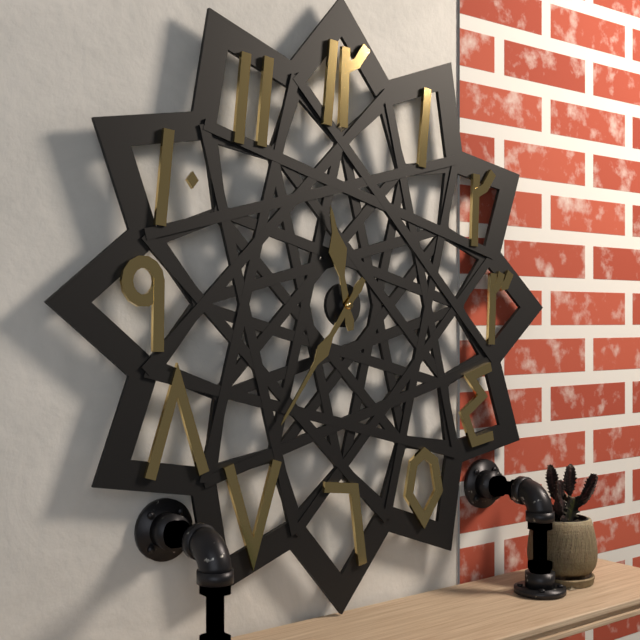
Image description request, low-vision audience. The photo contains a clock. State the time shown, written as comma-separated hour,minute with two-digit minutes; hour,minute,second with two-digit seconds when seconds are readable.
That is 11,36
